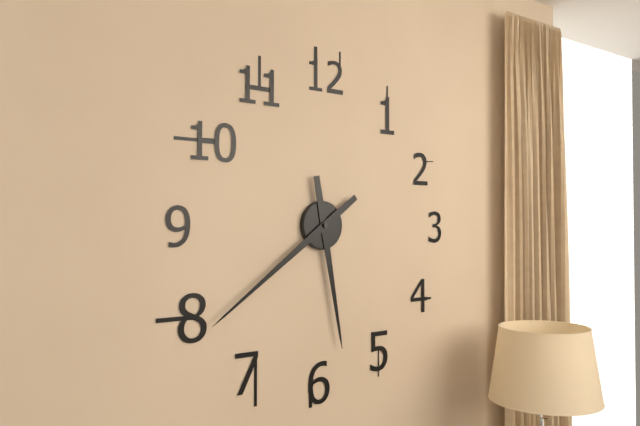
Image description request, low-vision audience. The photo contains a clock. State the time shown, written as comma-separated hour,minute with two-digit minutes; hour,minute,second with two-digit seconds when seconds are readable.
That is 5,39
